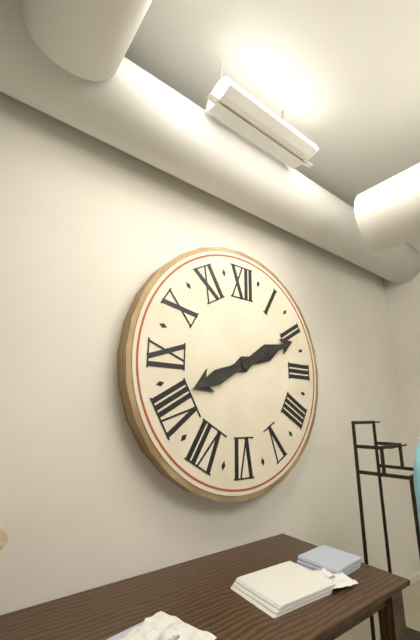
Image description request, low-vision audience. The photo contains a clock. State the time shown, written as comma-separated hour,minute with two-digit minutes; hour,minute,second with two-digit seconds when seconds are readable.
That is 8,11
